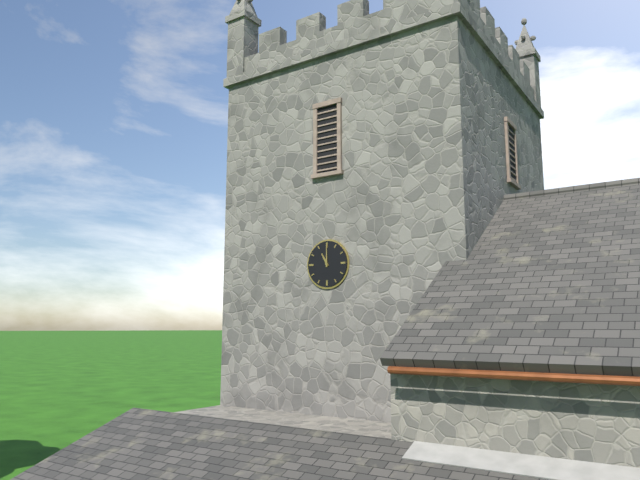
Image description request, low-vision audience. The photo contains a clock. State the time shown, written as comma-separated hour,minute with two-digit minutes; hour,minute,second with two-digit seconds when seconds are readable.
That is 11,00
